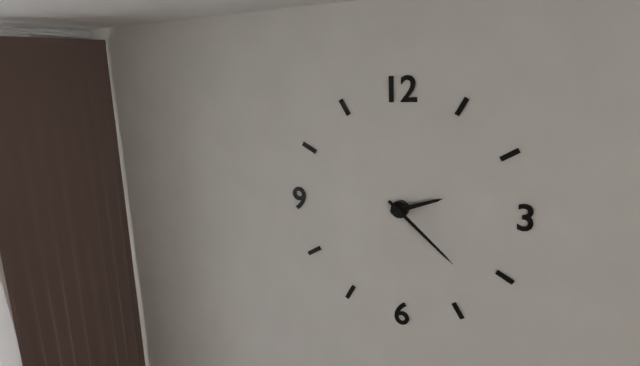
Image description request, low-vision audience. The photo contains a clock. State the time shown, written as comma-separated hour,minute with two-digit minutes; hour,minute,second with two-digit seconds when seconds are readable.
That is 2,22
